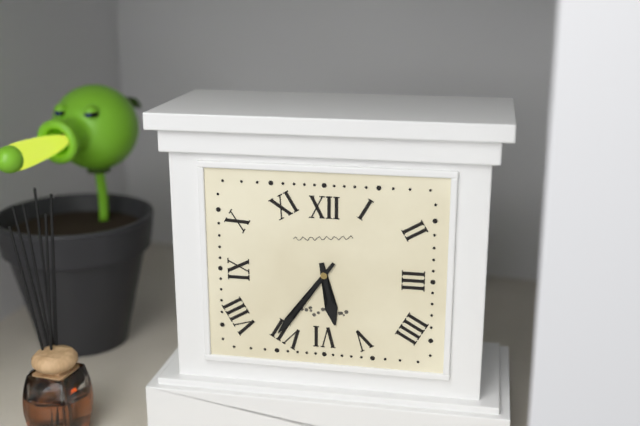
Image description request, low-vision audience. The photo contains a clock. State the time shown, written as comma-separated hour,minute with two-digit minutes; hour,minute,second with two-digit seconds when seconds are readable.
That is 5,36
